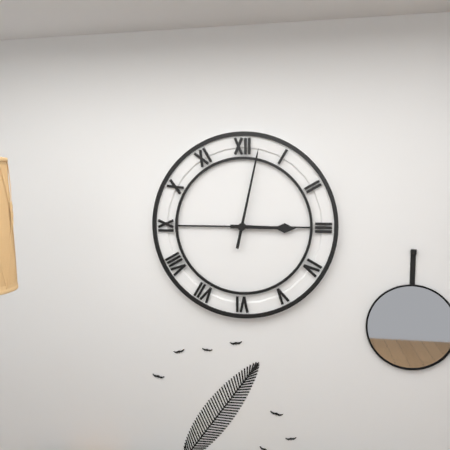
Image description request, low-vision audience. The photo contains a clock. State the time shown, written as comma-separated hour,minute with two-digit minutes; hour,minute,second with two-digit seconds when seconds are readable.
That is 3,02
